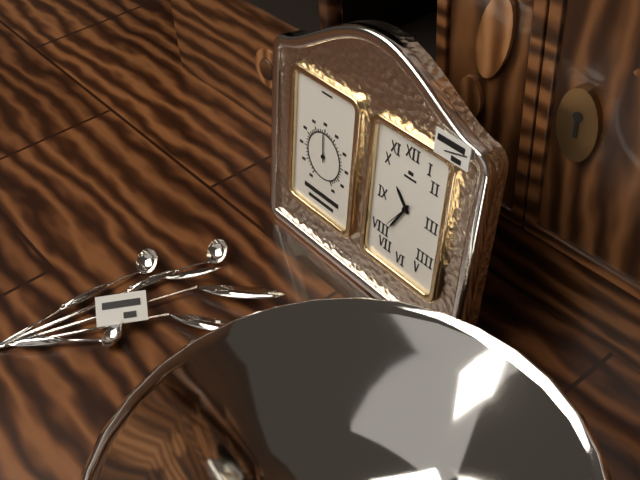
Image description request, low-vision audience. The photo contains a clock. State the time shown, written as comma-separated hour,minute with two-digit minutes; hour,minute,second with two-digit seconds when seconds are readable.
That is 10,35
